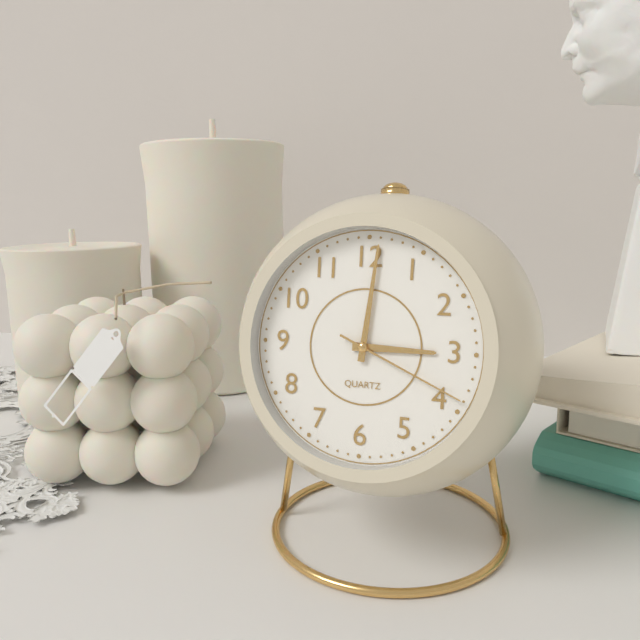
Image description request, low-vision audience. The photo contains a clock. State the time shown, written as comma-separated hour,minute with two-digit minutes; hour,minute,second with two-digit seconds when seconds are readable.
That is 3,01,19
